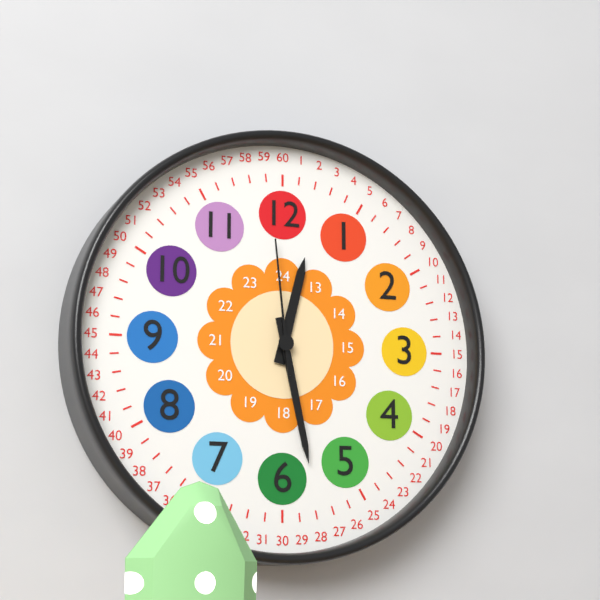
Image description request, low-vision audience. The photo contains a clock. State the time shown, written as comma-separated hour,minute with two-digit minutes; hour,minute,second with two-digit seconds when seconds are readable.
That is 12,28,59
